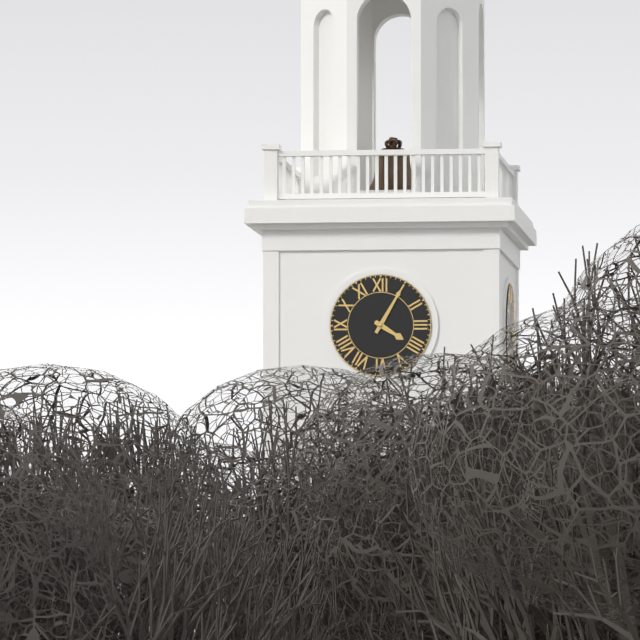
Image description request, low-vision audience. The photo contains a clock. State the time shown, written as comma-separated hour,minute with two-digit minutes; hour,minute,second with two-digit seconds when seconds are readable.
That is 4,05
